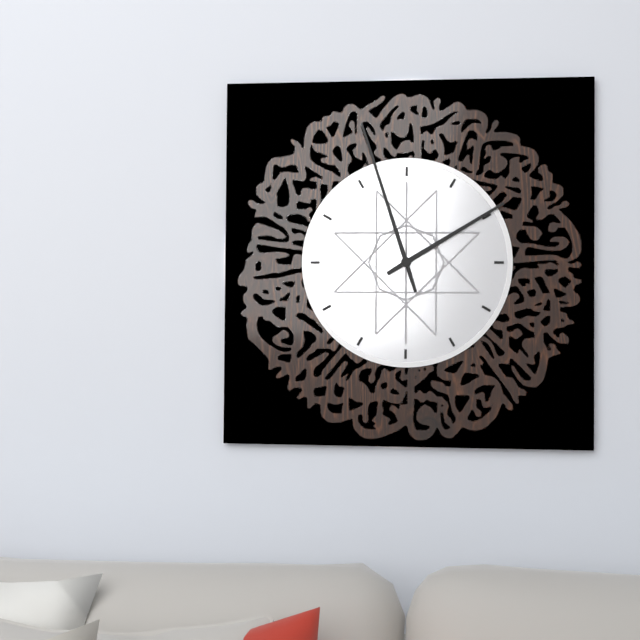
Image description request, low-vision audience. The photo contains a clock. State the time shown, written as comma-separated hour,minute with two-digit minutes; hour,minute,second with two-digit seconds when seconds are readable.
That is 1,57
